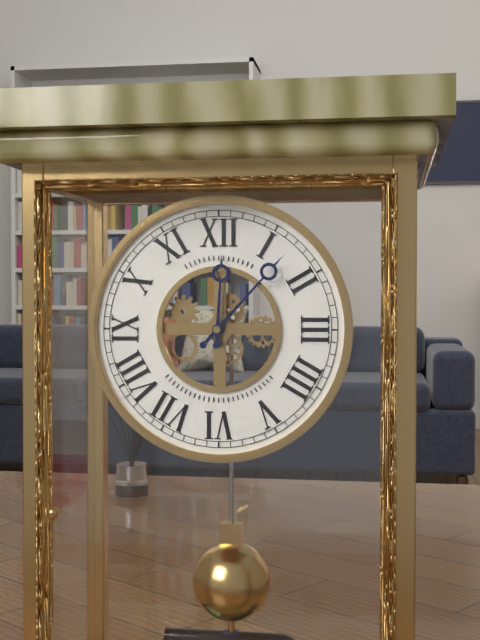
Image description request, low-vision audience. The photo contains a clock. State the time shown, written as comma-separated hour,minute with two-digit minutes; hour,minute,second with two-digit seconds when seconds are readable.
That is 12,07
